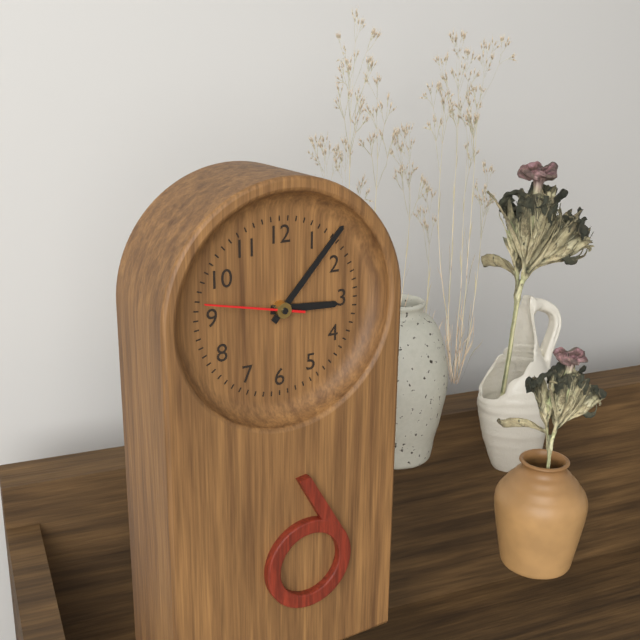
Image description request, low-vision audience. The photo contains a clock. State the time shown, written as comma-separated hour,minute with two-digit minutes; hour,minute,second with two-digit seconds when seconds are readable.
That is 3,07,47
